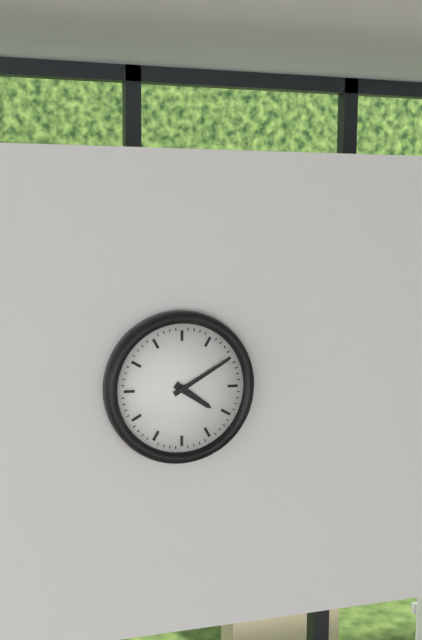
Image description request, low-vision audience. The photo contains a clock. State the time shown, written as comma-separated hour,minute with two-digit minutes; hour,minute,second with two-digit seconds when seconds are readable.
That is 4,10
